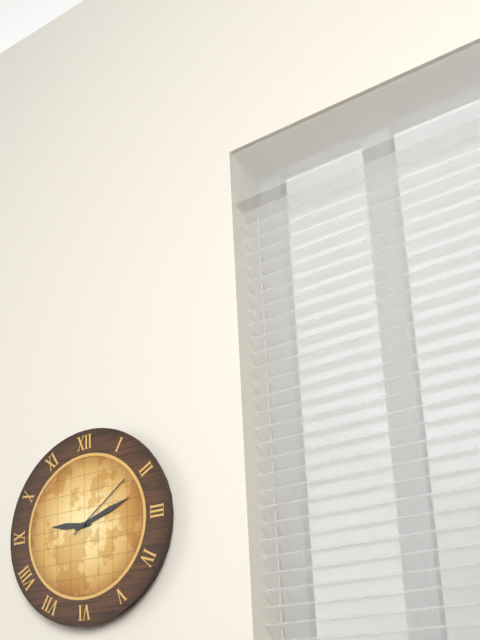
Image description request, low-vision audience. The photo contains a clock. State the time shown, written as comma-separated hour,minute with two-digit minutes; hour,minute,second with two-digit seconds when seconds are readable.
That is 9,12,09
